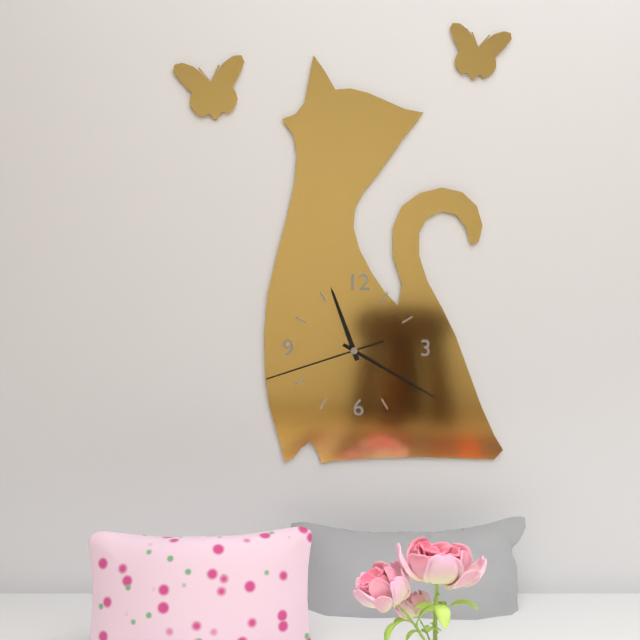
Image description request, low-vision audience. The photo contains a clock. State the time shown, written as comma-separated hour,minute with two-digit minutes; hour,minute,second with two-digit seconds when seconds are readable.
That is 11,20,42
